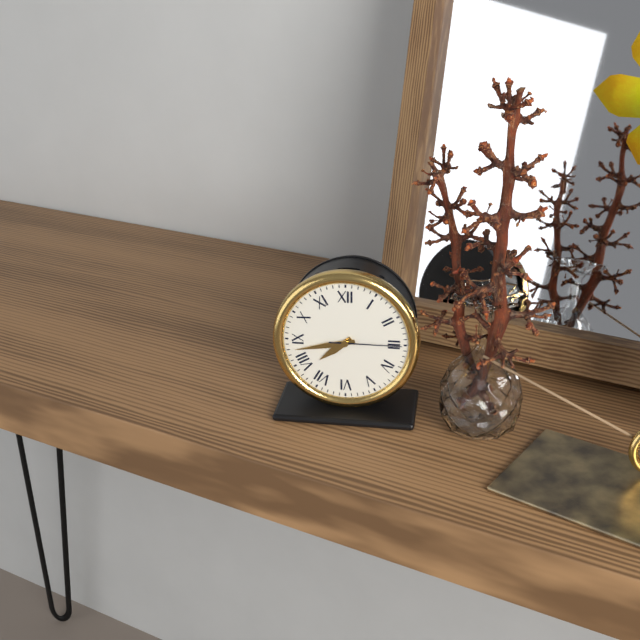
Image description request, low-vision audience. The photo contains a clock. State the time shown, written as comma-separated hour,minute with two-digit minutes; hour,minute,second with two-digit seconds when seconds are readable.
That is 7,43,15
